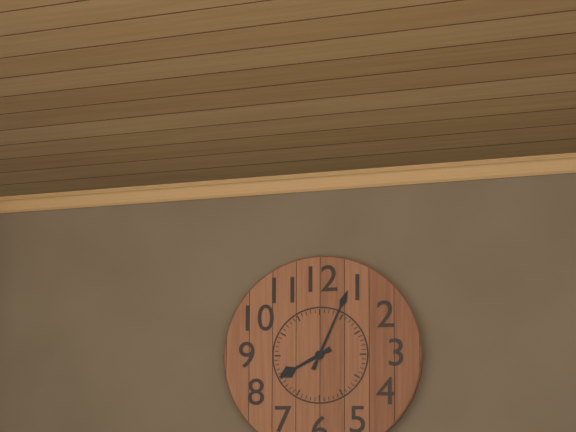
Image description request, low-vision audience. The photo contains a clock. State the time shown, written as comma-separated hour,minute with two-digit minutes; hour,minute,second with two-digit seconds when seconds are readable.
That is 8,04
